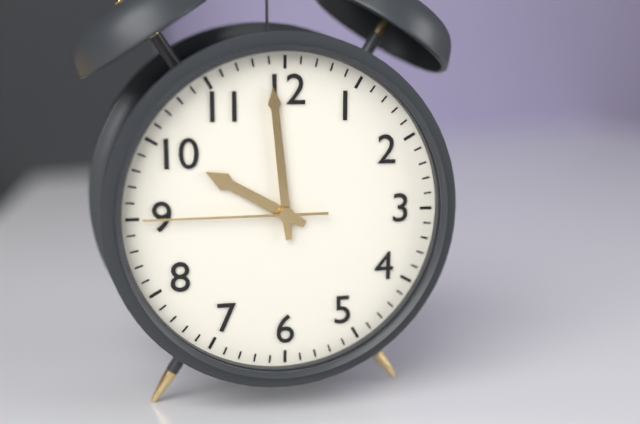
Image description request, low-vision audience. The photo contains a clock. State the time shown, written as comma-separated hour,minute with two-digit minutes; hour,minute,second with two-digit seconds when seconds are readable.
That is 9,59,45
